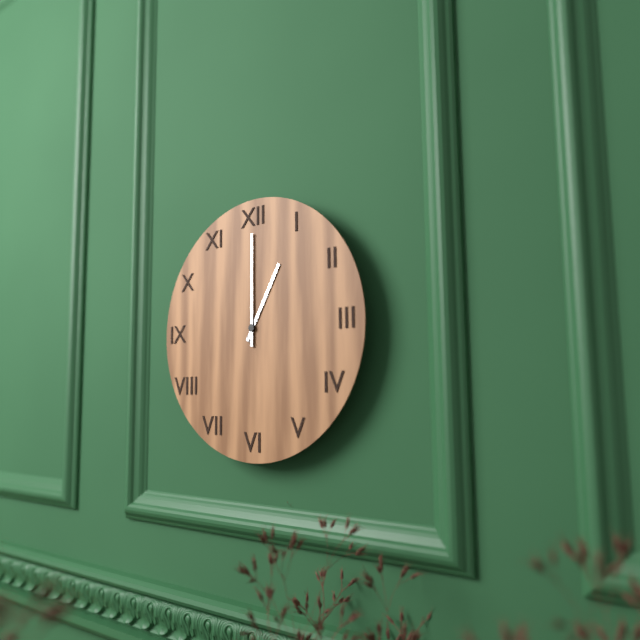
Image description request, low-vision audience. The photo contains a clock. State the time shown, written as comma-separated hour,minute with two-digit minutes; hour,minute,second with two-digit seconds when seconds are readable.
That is 1,00
